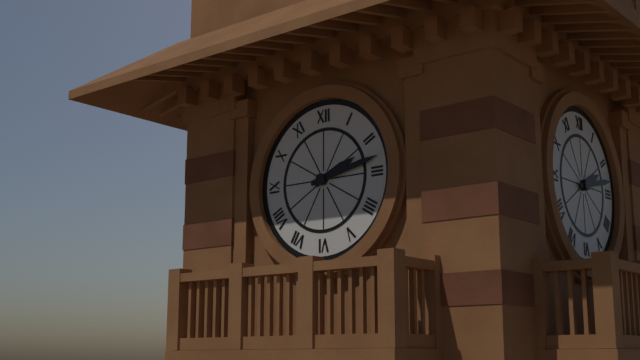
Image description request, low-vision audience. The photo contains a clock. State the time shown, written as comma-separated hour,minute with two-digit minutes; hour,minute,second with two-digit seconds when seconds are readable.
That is 2,13
